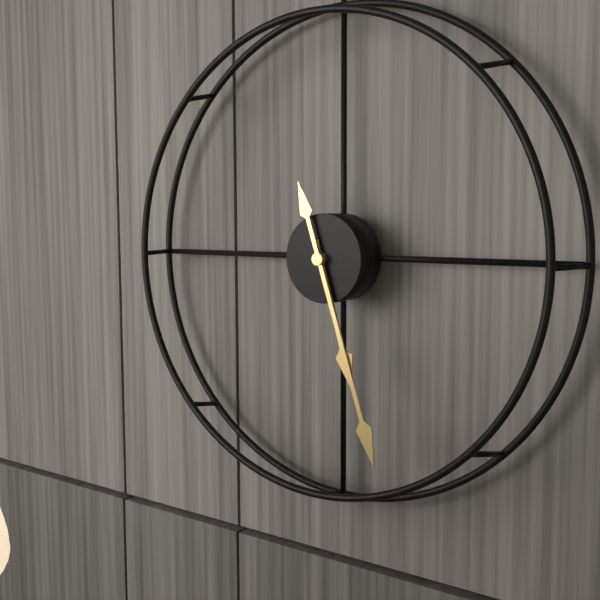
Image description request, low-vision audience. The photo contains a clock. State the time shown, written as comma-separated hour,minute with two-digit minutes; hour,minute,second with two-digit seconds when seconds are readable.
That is 5,27
